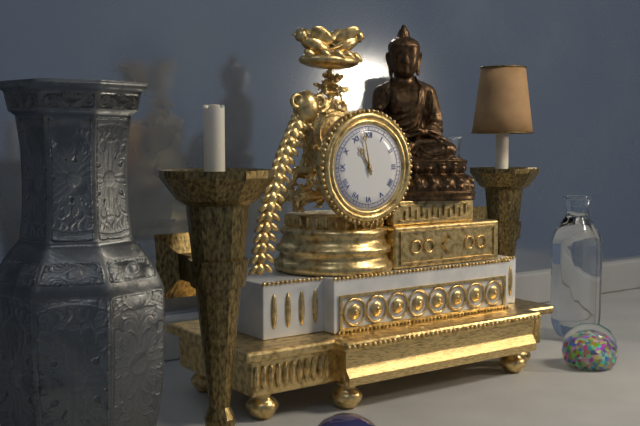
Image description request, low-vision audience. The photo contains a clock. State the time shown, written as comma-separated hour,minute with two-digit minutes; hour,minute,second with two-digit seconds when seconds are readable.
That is 10,58
